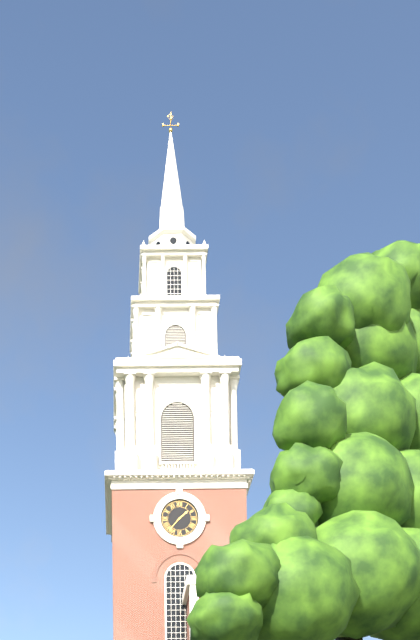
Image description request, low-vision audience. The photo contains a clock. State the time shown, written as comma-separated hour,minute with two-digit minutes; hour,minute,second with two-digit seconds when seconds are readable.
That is 1,37
